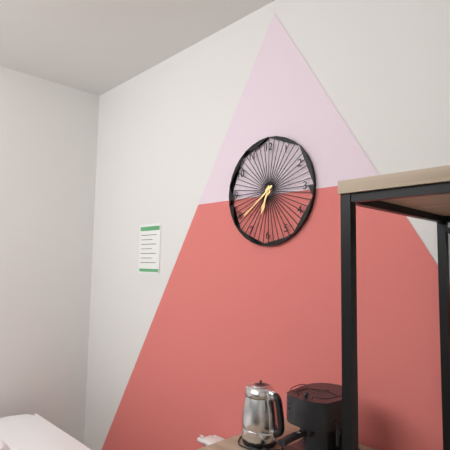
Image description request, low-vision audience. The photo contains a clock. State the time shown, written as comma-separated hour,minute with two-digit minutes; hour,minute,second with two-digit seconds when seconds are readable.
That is 6,39
